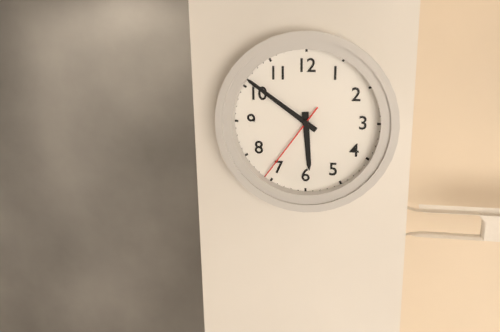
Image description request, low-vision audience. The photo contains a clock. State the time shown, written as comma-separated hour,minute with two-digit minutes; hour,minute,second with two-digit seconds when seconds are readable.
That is 5,51,36
